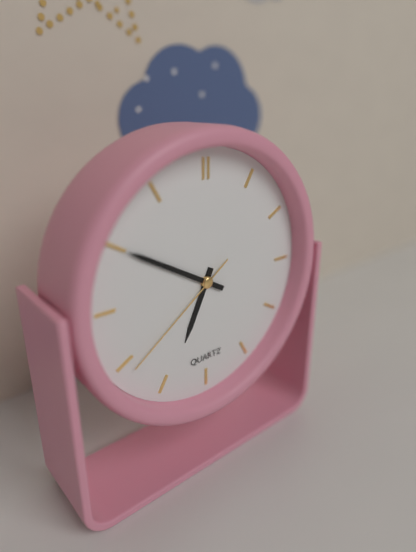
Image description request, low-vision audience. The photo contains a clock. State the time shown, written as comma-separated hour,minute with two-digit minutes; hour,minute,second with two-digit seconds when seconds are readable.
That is 6,50,39
